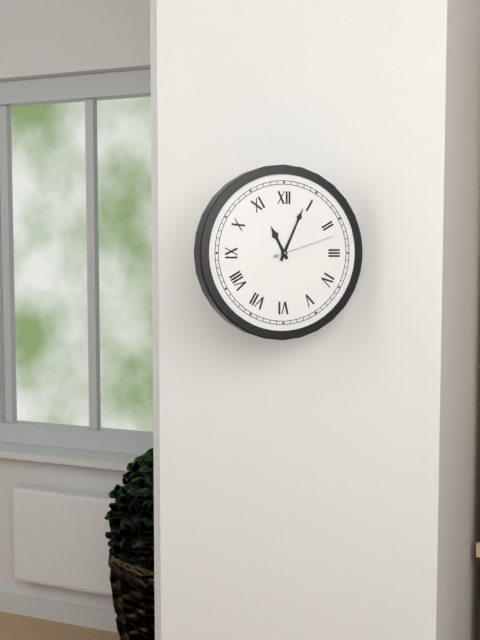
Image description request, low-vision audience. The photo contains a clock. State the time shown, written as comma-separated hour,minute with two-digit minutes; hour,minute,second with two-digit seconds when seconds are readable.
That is 11,04,12
